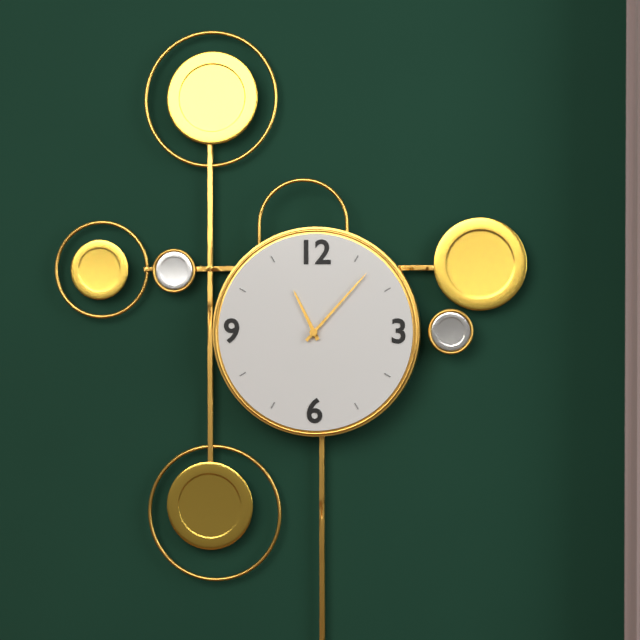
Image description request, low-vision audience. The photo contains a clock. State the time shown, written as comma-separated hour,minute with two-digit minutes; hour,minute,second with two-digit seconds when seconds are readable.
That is 11,07
